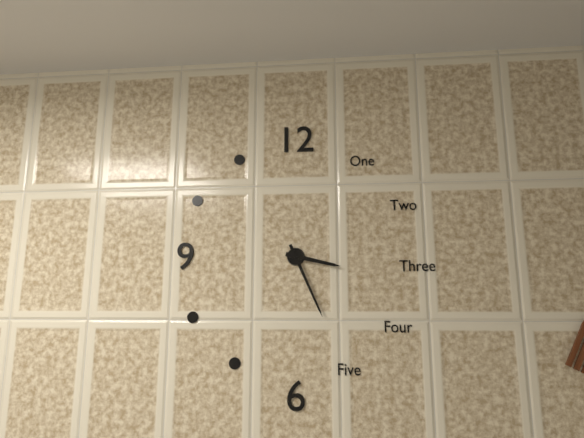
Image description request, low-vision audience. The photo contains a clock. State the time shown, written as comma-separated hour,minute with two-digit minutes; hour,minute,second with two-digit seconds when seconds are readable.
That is 3,26
